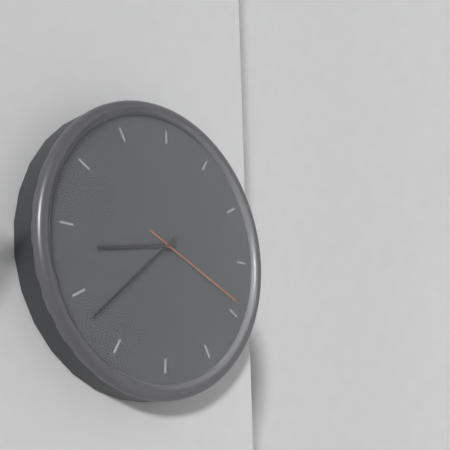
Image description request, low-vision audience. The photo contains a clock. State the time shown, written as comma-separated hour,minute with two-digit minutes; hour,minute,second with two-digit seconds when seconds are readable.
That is 8,38,19
